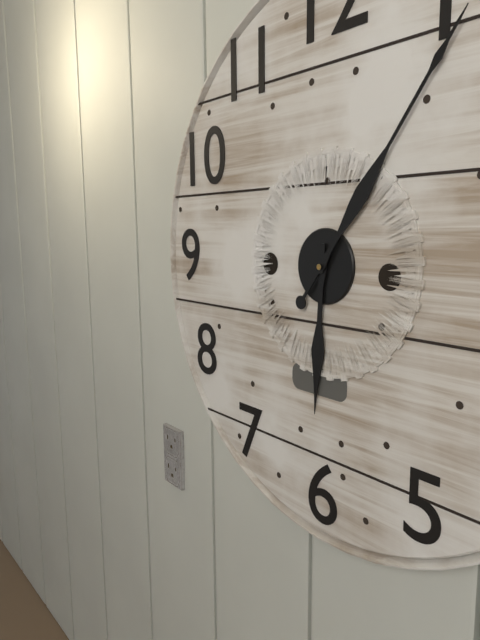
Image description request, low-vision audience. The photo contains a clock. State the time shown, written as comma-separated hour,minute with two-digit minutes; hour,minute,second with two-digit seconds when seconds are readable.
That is 6,06
